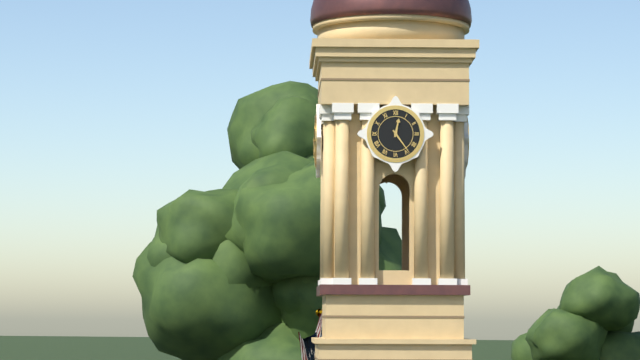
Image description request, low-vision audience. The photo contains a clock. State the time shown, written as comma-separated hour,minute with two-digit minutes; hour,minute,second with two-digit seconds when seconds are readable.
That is 12,24
